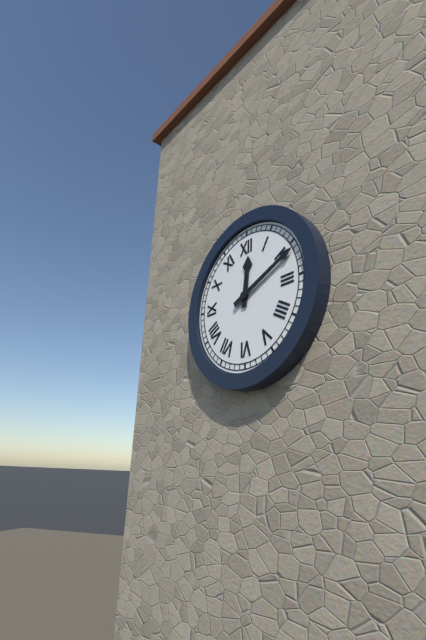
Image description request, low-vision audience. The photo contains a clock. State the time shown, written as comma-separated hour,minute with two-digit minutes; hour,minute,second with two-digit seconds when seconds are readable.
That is 12,11
